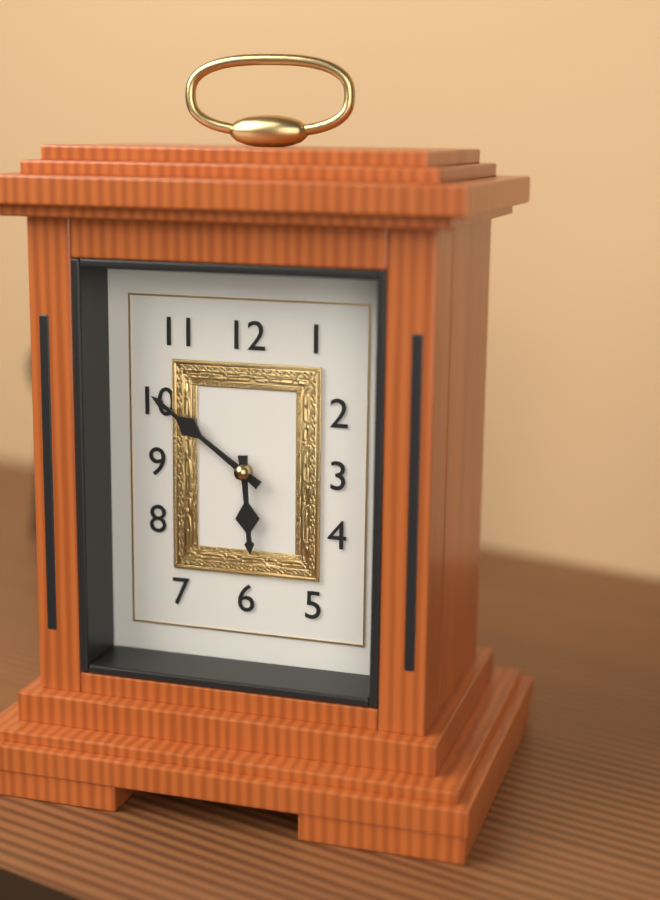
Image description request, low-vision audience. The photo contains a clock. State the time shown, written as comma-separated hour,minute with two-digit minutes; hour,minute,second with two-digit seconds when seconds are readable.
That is 5,51
